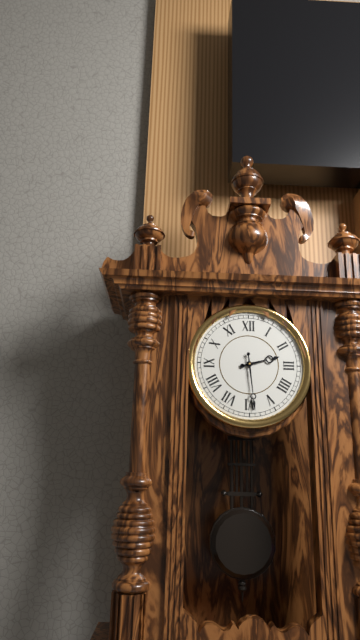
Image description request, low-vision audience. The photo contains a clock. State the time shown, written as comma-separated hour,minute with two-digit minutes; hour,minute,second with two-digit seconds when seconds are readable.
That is 2,29
